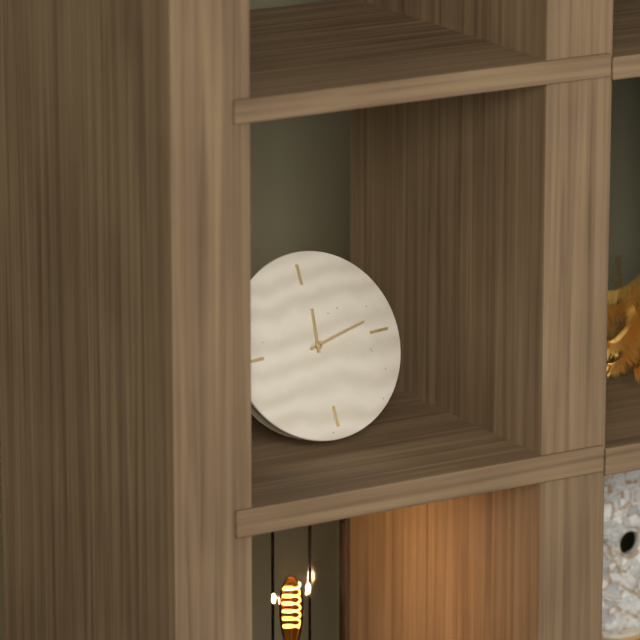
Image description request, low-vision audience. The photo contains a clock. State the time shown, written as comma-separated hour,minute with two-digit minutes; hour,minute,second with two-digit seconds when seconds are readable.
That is 12,13
